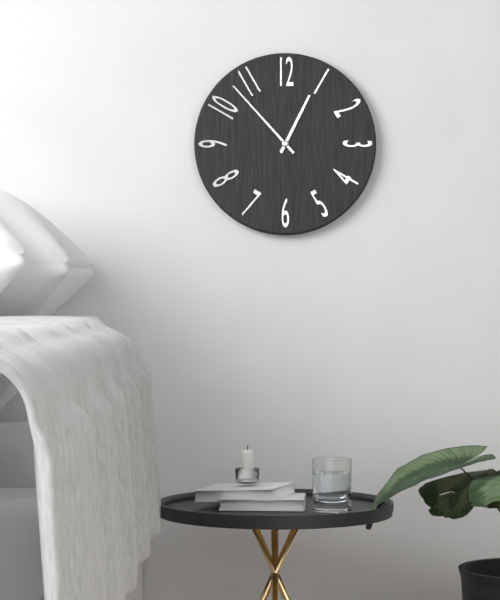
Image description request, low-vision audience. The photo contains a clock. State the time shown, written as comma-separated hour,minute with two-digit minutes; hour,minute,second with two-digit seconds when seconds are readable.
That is 12,53
